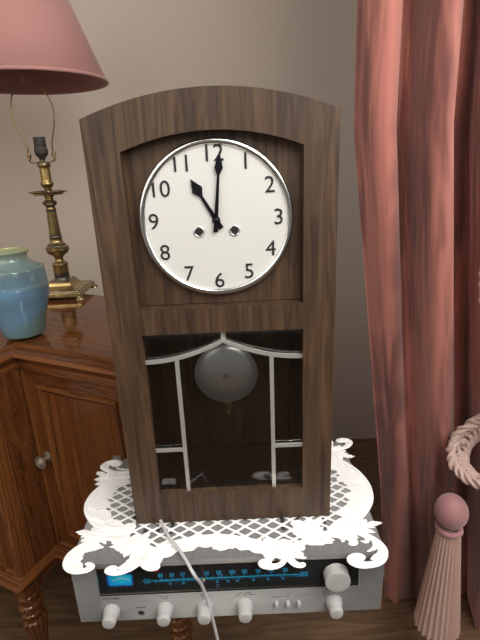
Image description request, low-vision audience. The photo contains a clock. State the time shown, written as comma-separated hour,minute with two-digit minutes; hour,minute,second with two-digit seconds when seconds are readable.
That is 11,01
